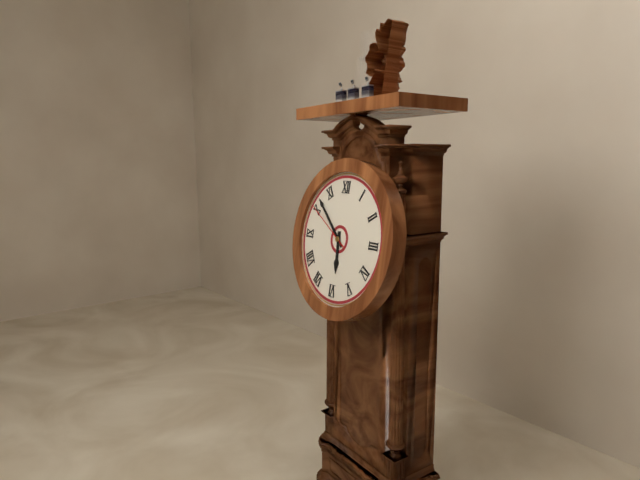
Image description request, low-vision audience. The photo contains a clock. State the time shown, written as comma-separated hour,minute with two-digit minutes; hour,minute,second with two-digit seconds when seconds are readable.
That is 5,52,50
